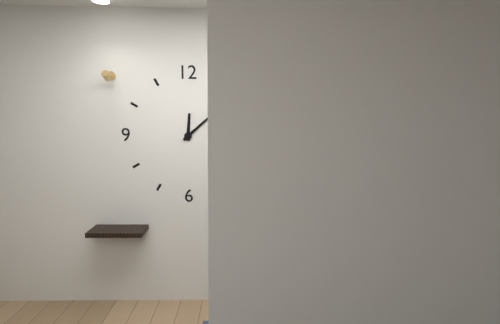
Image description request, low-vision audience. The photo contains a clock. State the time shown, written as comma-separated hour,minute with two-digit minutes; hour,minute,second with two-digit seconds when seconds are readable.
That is 12,08
